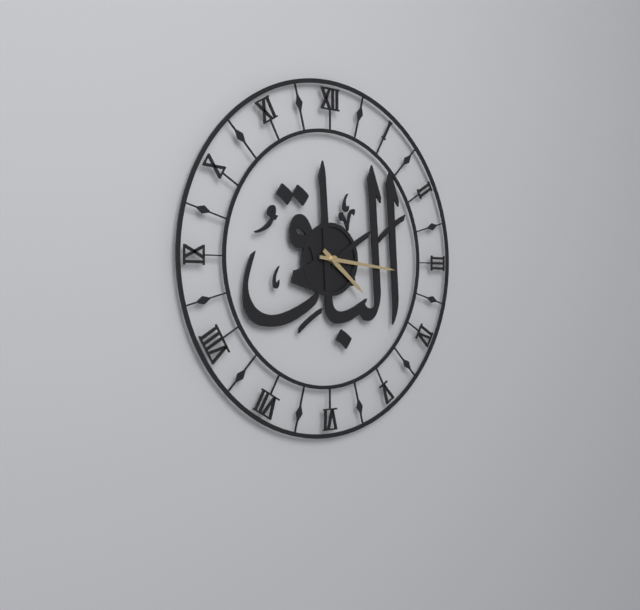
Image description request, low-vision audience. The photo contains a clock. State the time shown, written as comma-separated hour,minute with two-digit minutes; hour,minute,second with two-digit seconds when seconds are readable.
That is 4,16
